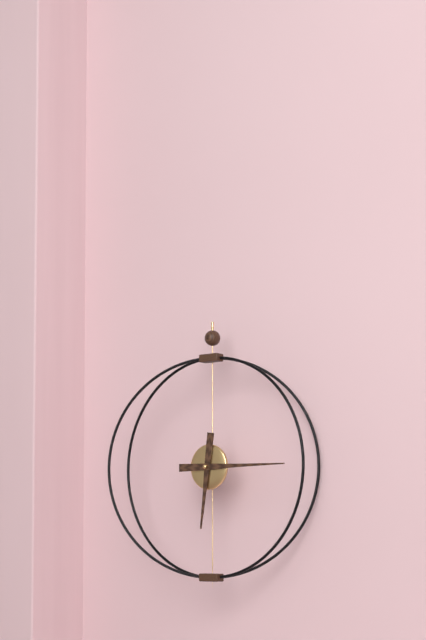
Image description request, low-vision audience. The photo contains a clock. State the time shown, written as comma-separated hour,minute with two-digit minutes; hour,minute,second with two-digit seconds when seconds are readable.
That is 6,15
